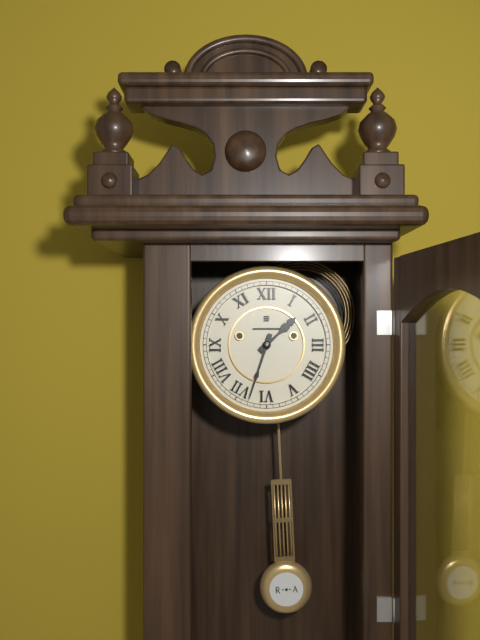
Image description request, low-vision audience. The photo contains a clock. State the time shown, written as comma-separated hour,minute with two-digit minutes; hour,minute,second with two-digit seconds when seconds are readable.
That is 1,33
